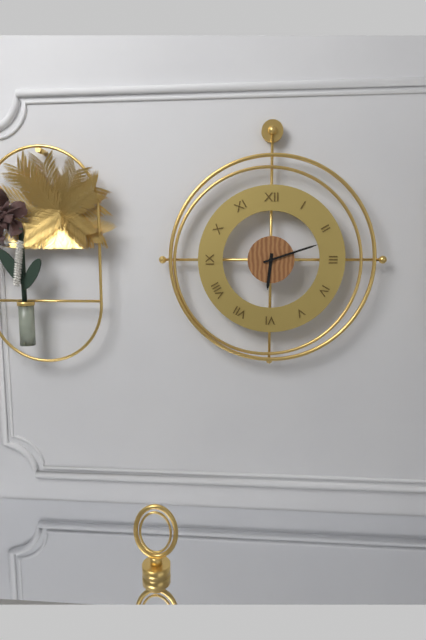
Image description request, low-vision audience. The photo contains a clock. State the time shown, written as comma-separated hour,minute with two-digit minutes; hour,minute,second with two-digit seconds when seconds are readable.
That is 6,12
